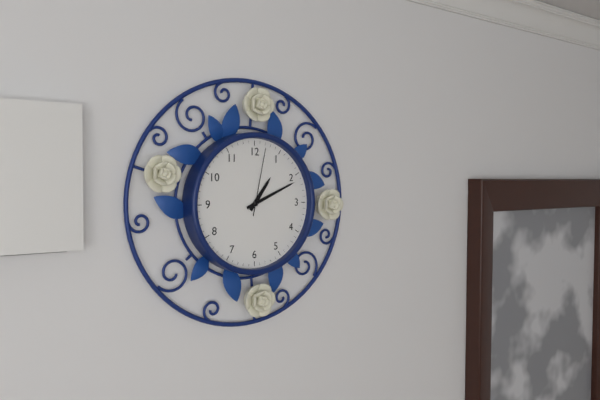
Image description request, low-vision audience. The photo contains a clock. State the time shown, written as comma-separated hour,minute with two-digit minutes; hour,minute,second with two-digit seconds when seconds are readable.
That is 1,11,02
